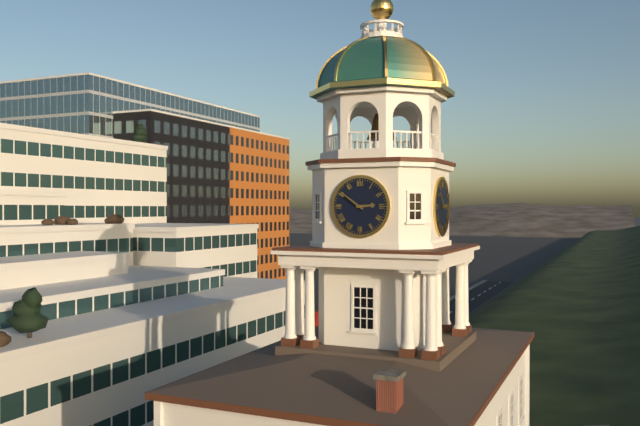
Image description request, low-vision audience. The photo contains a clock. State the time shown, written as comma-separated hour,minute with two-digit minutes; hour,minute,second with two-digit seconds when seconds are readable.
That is 2,51
